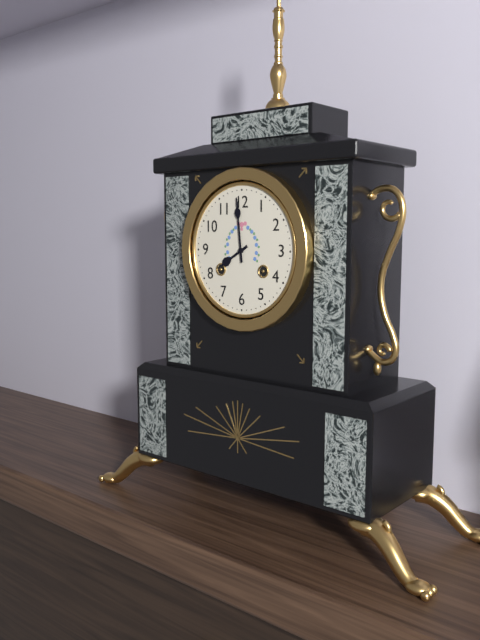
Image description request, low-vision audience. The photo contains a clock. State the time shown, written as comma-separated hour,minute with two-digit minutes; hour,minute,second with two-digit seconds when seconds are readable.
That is 7,59
